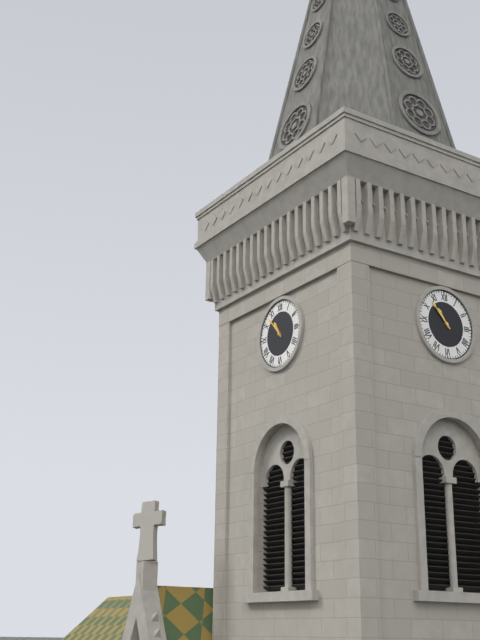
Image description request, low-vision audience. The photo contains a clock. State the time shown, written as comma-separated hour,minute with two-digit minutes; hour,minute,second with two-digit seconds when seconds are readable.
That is 10,53
